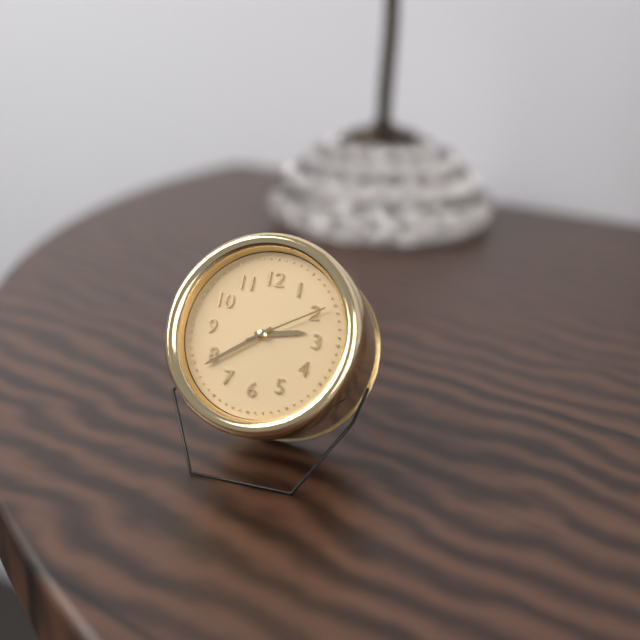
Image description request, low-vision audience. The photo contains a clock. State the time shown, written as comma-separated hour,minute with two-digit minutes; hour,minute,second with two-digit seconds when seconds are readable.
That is 2,39,10
